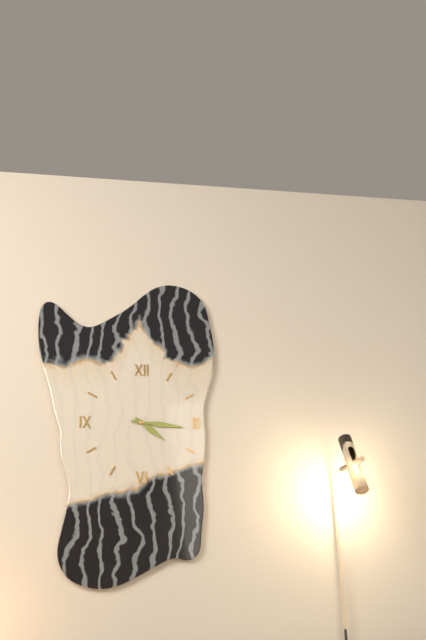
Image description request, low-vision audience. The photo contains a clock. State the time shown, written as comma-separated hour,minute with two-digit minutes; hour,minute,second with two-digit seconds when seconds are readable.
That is 4,16
